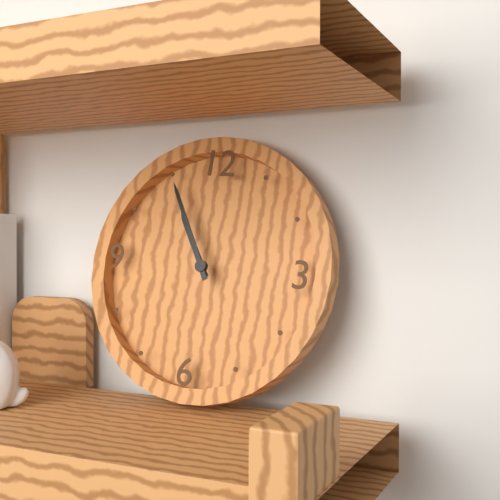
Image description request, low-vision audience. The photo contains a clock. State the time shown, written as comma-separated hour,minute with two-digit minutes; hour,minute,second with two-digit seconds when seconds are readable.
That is 10,55
